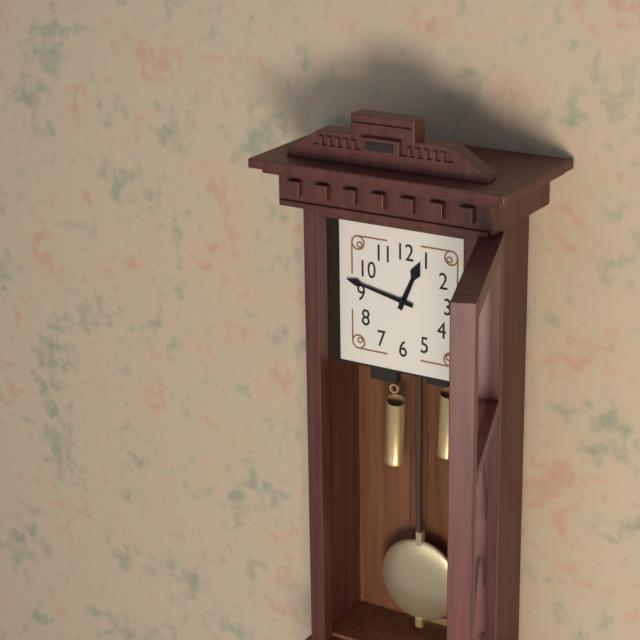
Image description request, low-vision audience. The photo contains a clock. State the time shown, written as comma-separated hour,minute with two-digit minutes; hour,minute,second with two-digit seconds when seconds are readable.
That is 12,47
